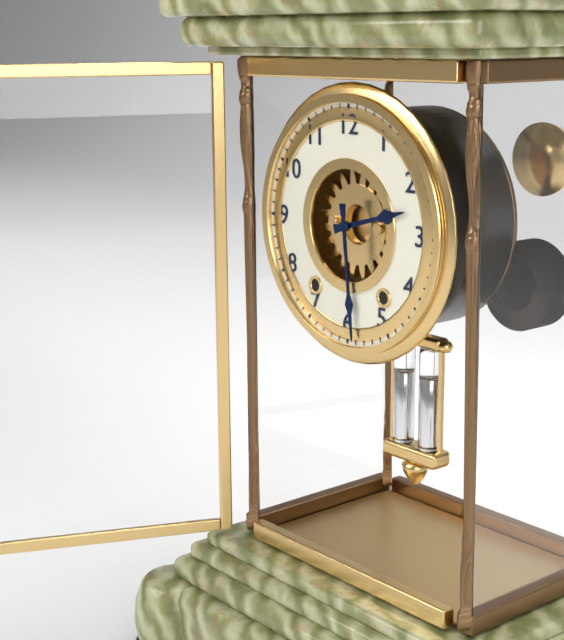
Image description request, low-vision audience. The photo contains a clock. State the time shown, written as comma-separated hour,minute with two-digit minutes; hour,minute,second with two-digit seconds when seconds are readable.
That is 2,29
